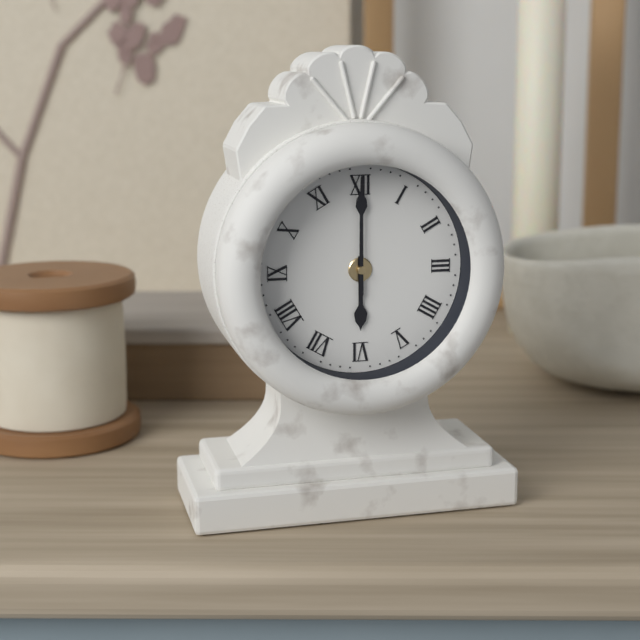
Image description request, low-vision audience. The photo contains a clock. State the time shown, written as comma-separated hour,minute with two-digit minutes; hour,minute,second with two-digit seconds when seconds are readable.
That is 6,00
